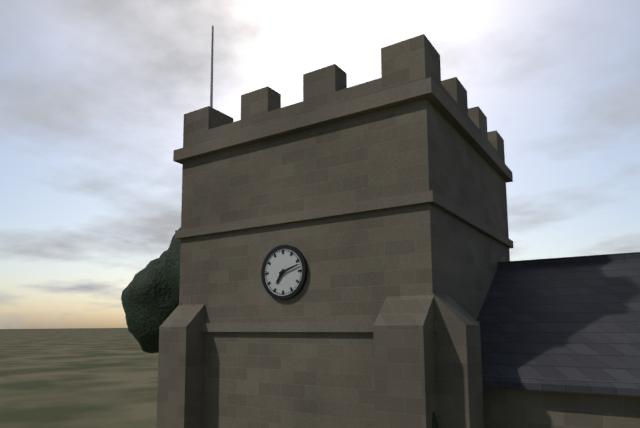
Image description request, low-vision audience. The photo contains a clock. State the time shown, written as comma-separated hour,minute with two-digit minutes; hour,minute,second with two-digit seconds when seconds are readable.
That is 7,12
